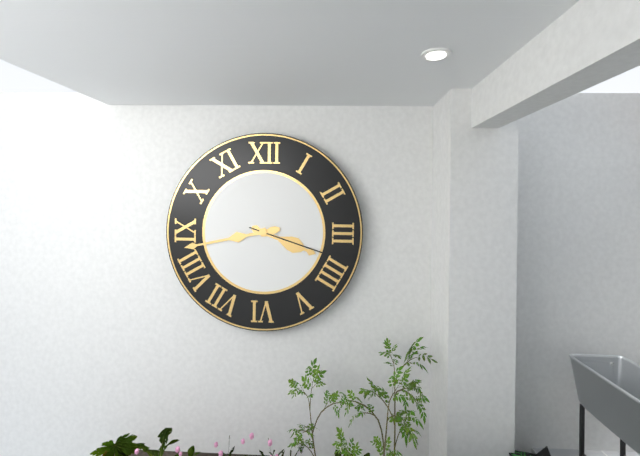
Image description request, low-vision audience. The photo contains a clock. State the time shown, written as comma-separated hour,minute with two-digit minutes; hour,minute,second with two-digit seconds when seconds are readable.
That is 3,43,18
